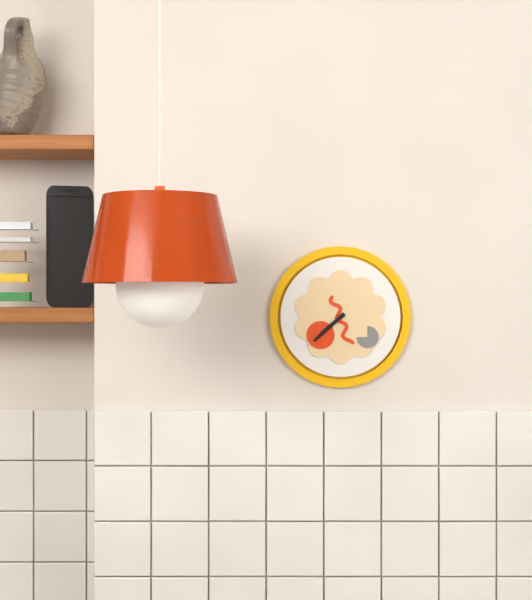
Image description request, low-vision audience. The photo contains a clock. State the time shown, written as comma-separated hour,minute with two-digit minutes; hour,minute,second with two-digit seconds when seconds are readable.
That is 7,38
